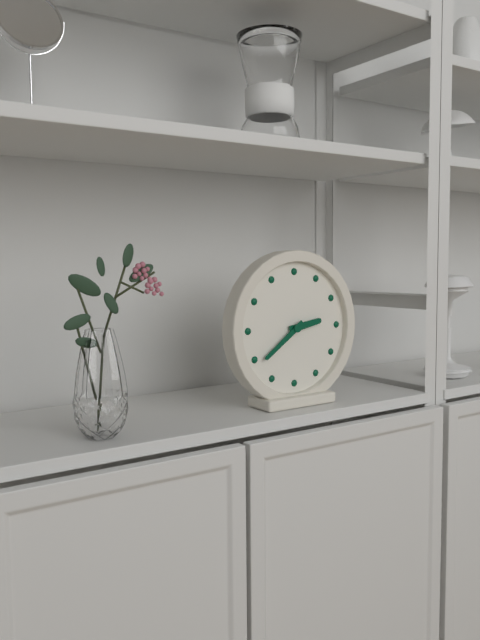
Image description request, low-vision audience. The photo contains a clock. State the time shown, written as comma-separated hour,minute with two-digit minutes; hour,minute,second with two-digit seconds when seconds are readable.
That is 2,39
